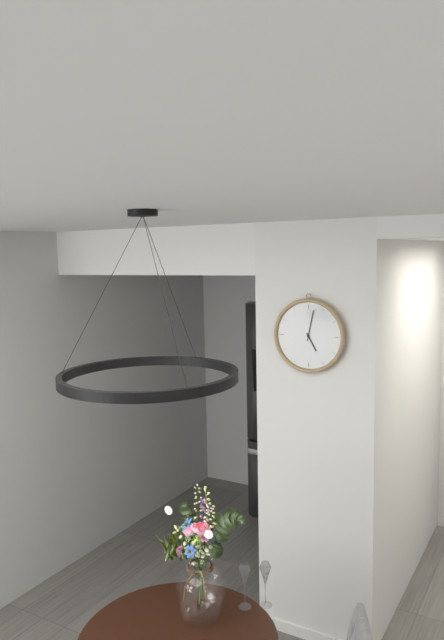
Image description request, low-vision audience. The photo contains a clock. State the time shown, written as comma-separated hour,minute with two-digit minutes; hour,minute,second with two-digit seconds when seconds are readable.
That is 5,02
